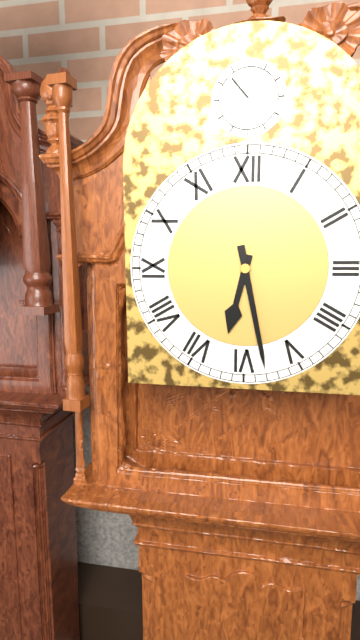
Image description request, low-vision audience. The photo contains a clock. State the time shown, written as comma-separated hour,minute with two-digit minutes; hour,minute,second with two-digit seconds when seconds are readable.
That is 6,28
